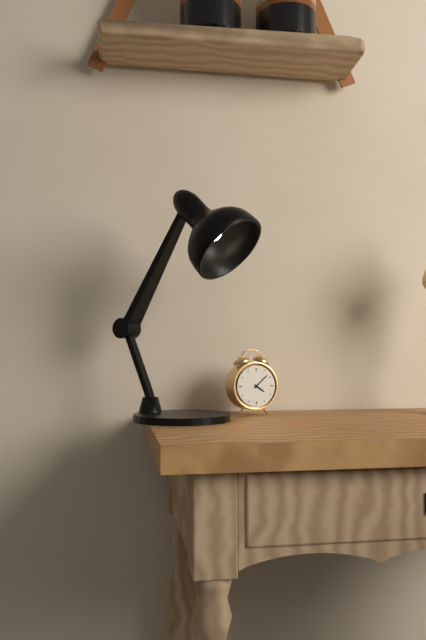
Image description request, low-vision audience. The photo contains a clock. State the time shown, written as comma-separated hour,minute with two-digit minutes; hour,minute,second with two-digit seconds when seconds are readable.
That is 4,08
